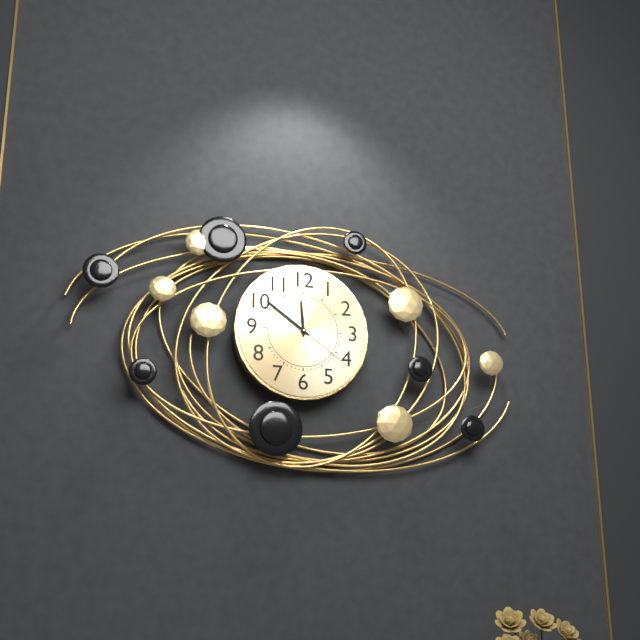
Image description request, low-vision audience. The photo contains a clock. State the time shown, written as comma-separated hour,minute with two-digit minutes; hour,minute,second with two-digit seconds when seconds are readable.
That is 11,51,21
